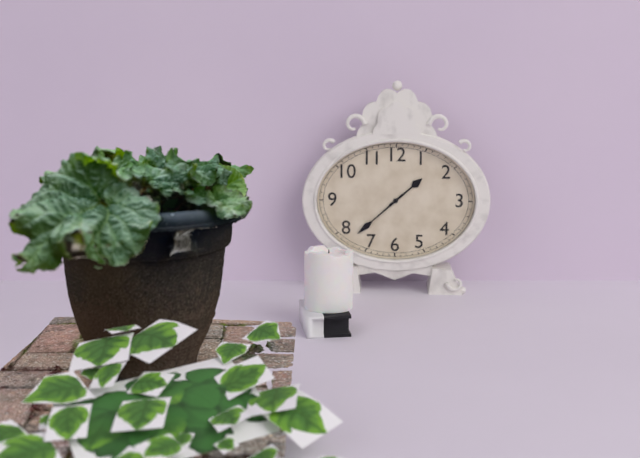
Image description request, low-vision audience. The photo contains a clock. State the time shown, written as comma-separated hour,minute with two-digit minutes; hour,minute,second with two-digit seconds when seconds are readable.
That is 1,38
